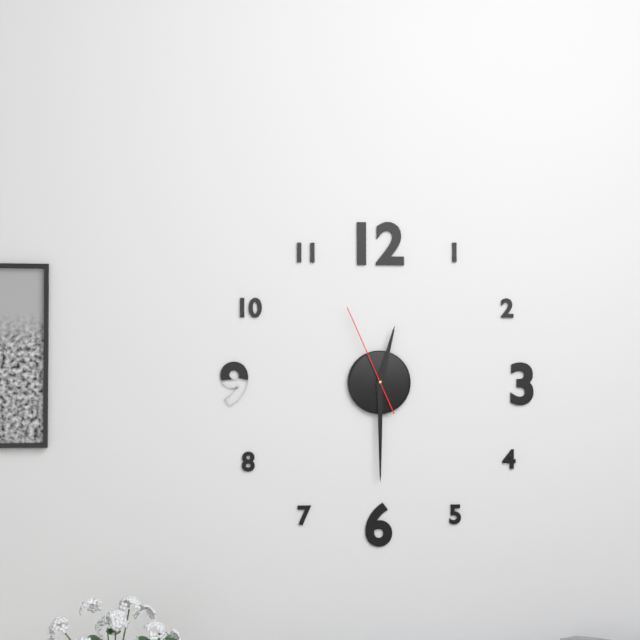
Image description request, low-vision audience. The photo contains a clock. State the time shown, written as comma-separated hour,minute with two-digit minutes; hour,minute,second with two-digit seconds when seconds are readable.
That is 12,30,56
